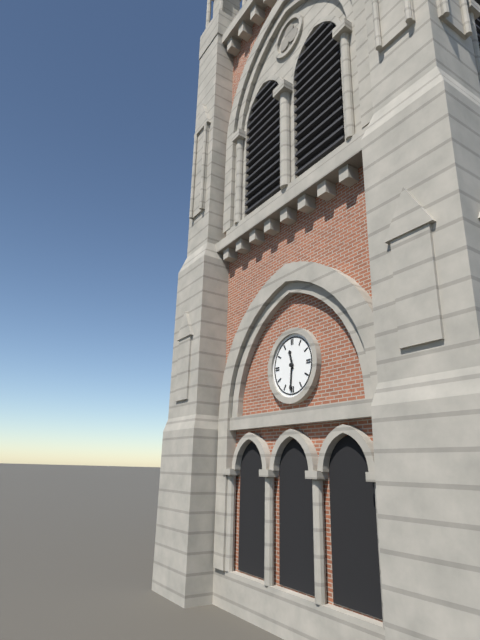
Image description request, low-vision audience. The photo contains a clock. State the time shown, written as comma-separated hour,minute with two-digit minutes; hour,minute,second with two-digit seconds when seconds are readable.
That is 11,31
